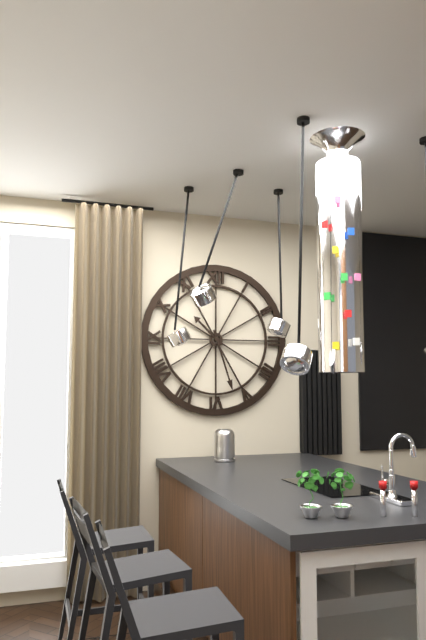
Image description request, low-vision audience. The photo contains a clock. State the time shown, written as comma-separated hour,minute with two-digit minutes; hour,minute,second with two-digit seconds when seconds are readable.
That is 10,27
